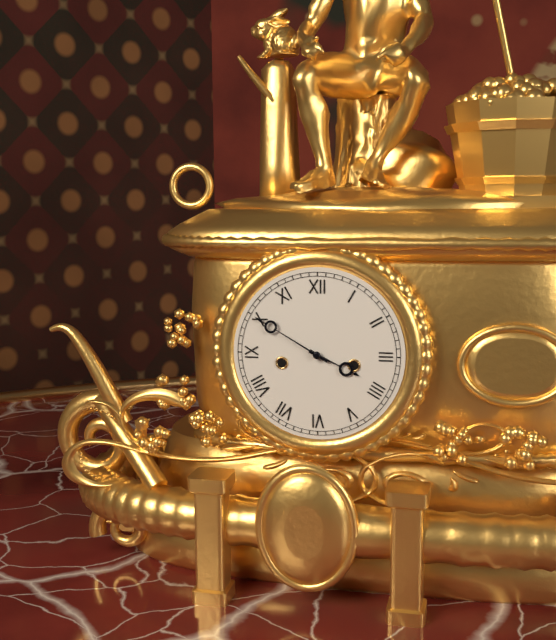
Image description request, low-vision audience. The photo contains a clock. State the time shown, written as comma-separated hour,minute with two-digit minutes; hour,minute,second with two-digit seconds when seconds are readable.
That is 3,50
